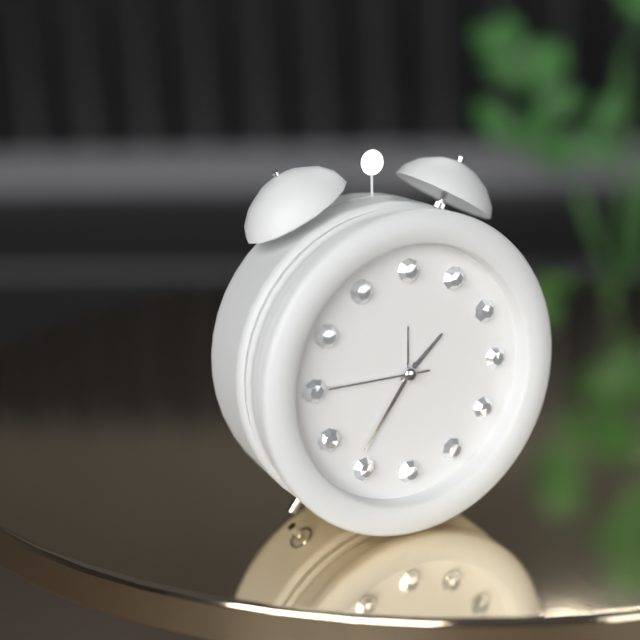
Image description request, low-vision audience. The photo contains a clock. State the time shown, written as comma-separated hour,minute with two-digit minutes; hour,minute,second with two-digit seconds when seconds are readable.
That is 1,36,45
